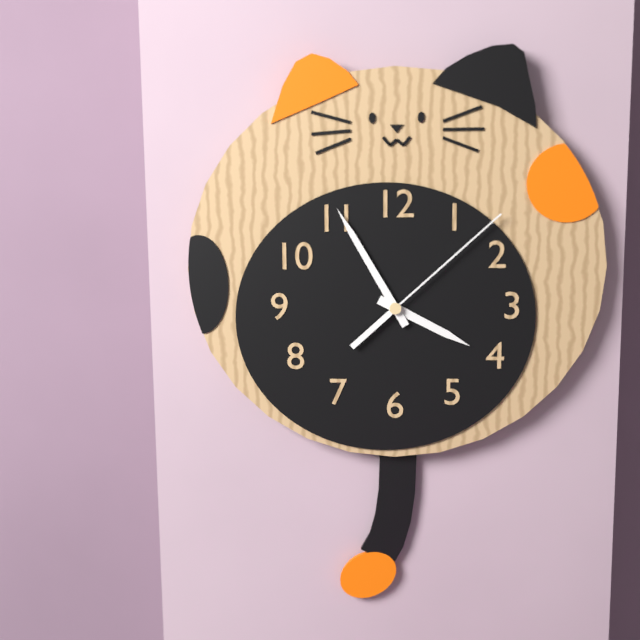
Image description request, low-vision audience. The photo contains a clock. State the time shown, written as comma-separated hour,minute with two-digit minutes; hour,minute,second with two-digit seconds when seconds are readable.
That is 3,55,08
